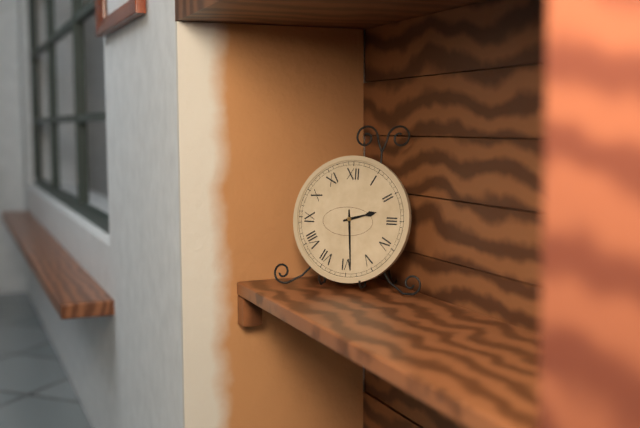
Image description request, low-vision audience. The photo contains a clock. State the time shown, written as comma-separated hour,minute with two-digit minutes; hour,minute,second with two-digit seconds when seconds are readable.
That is 2,29
